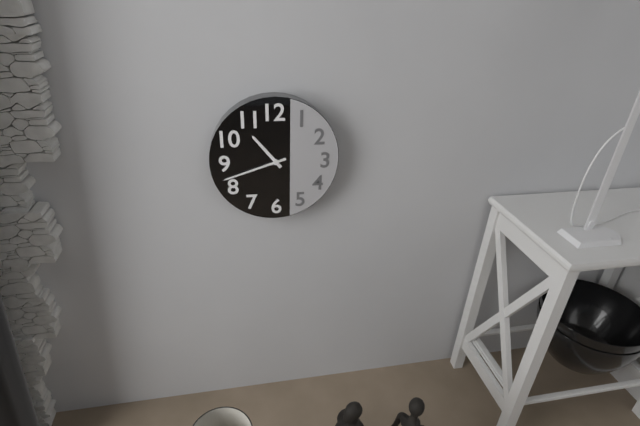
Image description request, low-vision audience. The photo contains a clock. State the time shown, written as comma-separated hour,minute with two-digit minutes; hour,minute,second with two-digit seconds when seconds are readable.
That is 10,42
